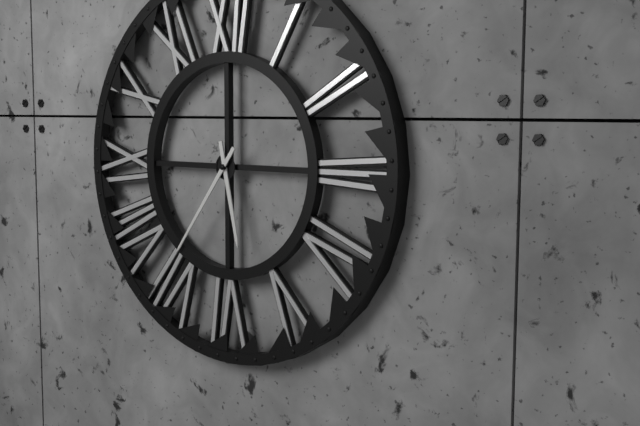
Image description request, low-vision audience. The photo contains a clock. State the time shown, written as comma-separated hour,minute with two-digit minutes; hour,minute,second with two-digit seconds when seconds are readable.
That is 5,36
